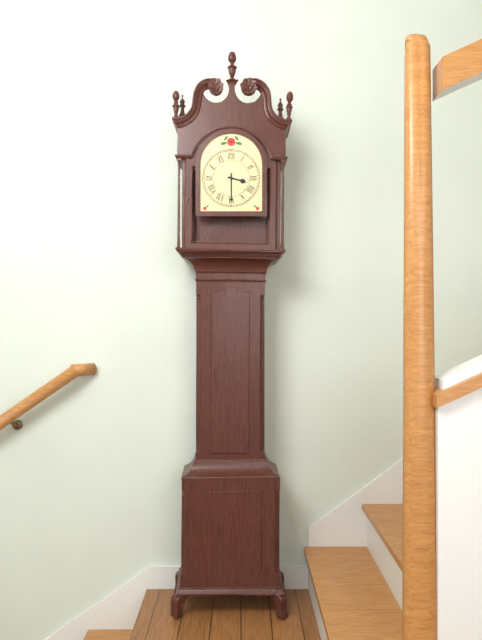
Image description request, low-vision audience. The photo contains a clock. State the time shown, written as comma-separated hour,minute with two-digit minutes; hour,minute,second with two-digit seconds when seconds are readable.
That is 3,30
